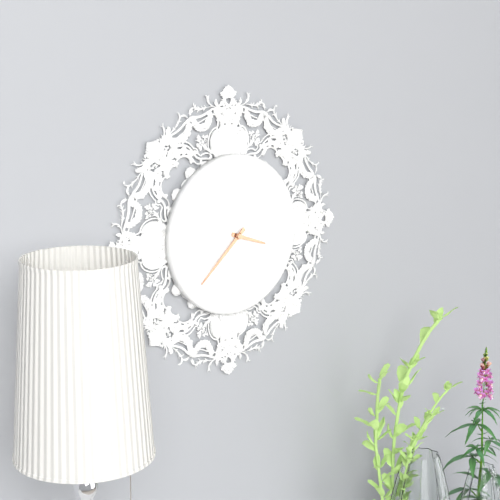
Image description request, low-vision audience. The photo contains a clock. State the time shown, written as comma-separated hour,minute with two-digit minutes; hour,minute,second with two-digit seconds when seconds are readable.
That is 3,38
